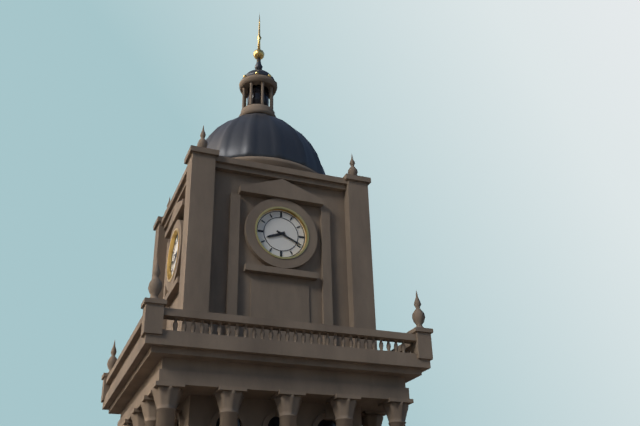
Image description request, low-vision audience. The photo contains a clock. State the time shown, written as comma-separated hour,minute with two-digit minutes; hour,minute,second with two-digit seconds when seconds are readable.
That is 8,19
